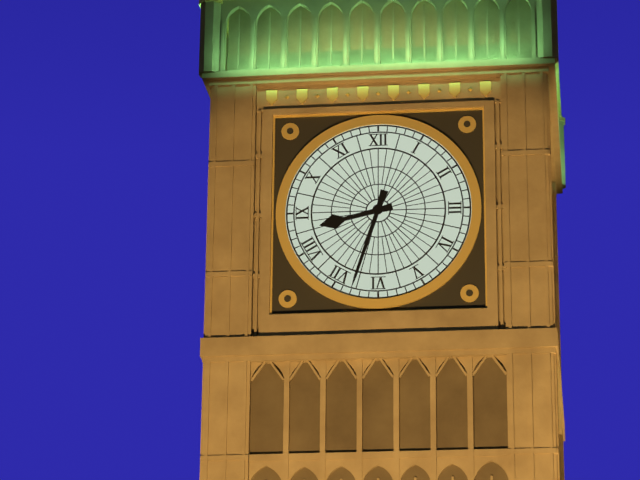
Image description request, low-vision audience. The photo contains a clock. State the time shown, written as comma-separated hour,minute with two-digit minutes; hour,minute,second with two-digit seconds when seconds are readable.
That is 8,33
